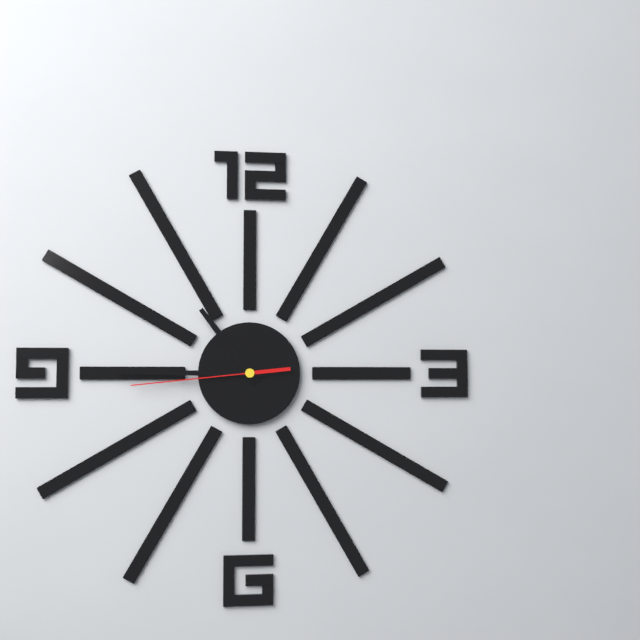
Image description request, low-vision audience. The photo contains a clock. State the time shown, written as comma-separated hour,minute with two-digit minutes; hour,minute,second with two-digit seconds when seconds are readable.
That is 10,45,44
